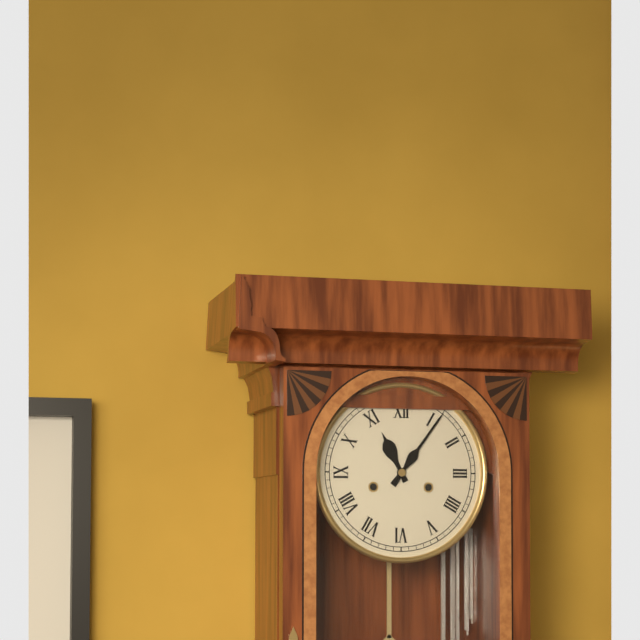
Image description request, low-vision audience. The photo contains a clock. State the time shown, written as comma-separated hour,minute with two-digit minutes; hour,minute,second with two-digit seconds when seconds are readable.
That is 11,06
